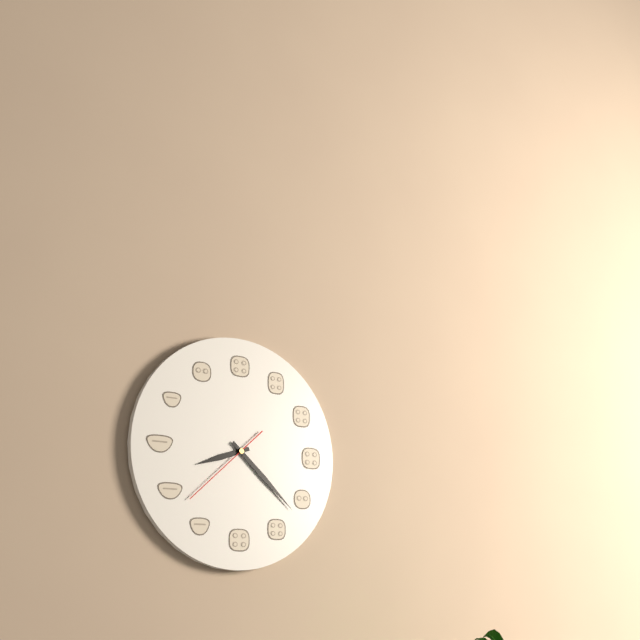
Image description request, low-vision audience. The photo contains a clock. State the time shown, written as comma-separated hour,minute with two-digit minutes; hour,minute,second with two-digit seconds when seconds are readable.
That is 8,22,38
